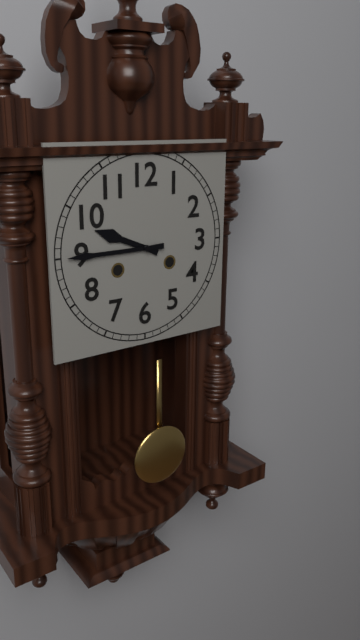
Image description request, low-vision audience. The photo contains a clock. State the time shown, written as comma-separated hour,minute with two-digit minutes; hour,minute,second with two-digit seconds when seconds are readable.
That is 9,45
